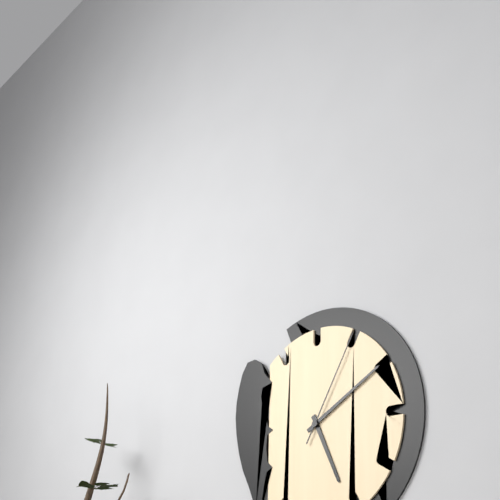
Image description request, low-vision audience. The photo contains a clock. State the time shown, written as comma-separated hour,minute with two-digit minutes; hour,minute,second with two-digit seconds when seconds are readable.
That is 5,10,05
